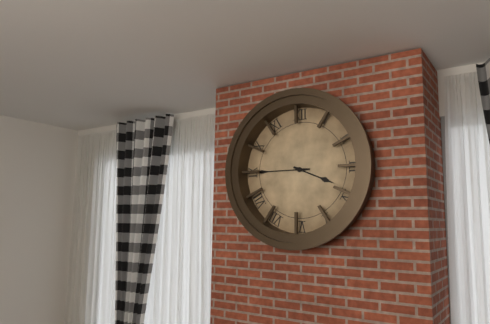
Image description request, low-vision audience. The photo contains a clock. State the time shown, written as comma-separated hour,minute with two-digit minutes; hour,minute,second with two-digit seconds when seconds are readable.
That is 3,45
